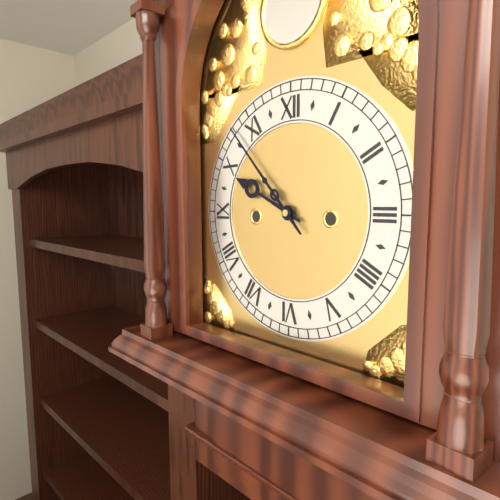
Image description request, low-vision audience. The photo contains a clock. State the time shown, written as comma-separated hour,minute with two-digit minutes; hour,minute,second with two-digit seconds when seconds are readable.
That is 9,53
